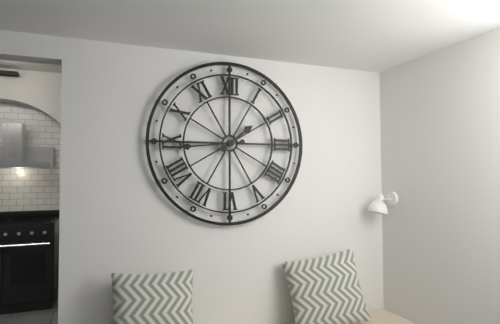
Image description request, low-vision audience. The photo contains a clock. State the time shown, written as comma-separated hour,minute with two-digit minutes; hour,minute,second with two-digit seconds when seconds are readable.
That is 1,44
